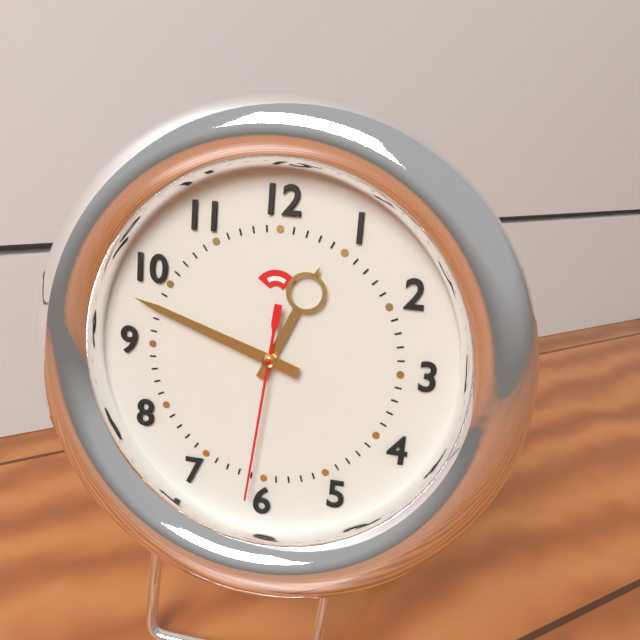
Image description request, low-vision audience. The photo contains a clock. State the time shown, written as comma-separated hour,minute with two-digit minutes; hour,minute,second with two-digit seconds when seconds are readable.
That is 12,48,31
